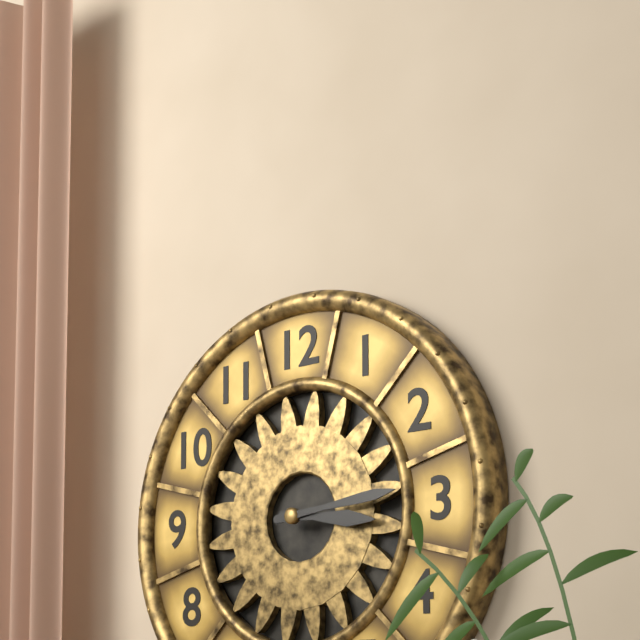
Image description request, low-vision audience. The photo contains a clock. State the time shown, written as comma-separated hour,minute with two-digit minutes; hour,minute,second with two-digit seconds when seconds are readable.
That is 3,14
